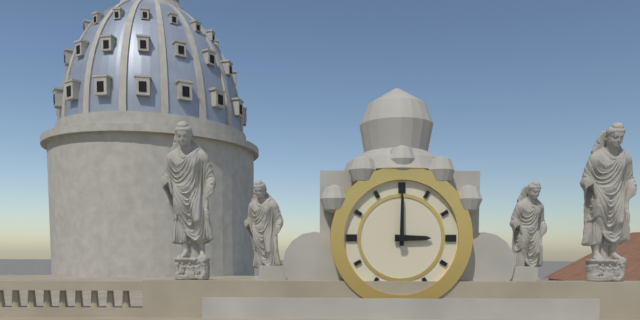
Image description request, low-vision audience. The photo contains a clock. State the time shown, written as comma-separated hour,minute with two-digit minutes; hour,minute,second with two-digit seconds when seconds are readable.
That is 3,00
